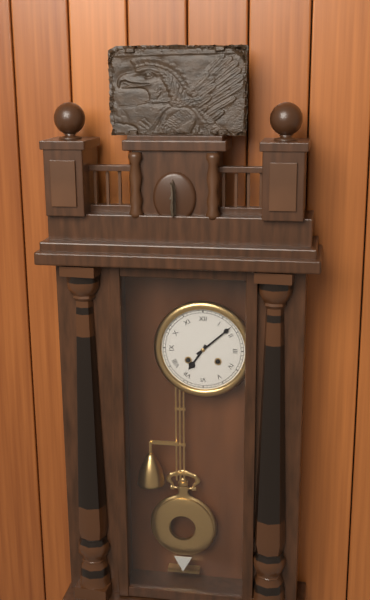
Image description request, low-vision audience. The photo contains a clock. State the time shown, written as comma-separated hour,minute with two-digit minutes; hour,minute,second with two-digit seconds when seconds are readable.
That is 7,08
